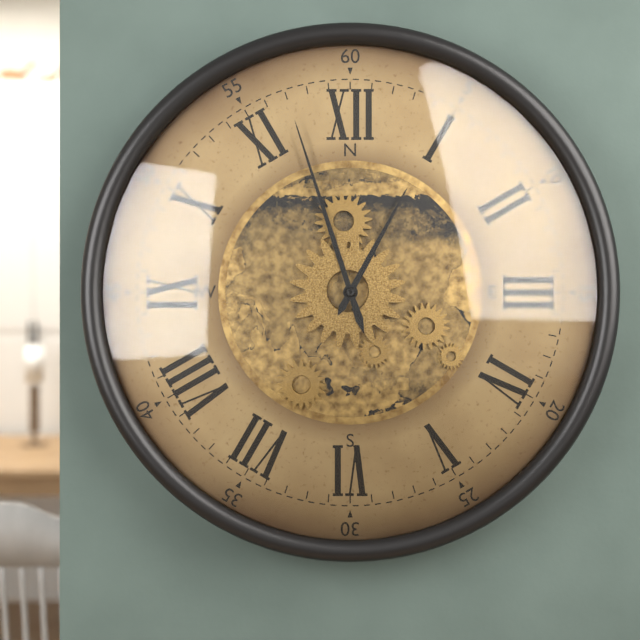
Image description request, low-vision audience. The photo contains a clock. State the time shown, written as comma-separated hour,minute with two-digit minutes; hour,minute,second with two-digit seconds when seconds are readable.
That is 12,57
